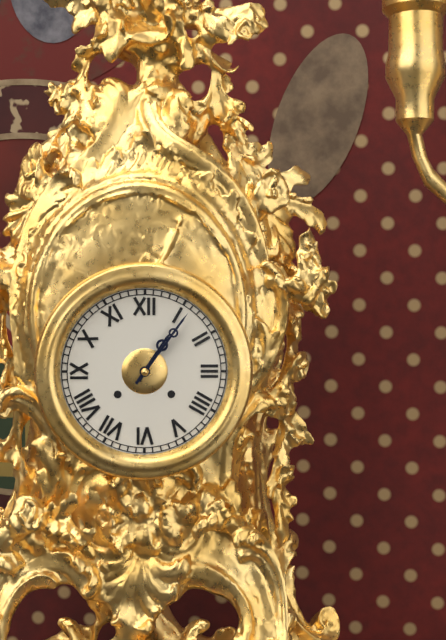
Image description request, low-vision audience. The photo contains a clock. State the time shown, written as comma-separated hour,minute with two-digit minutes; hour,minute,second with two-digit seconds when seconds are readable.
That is 1,06
